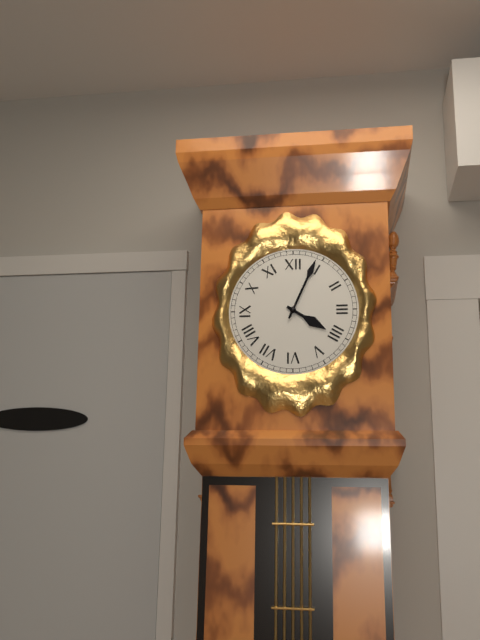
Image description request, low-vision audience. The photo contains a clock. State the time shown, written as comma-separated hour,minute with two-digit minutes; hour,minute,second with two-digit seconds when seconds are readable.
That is 4,04
